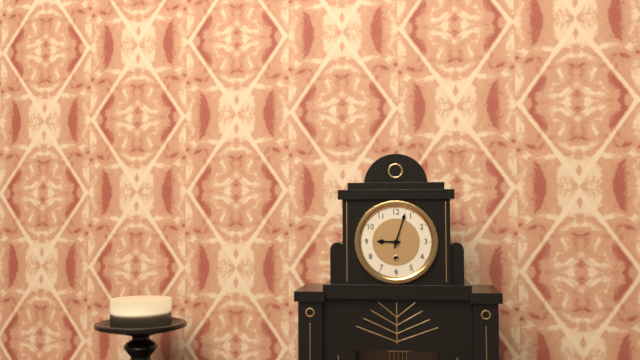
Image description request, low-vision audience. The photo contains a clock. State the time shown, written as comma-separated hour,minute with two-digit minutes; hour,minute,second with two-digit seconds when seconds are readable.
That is 9,03
